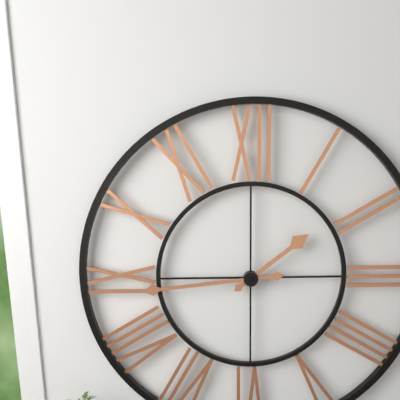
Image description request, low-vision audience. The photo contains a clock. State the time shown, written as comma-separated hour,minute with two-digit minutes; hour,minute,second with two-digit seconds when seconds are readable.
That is 1,44
